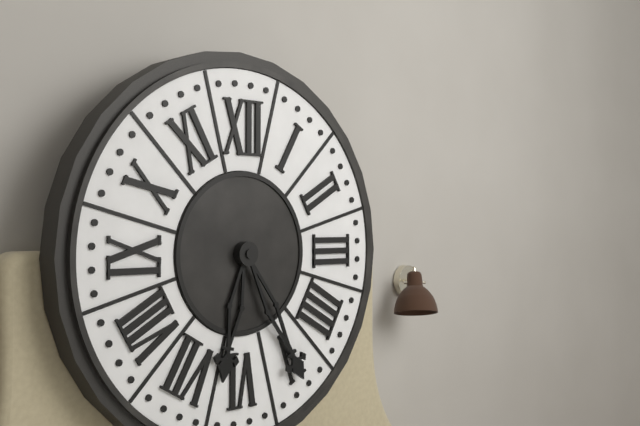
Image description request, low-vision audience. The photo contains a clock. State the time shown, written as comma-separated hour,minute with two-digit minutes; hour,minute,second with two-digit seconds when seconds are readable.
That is 6,25
